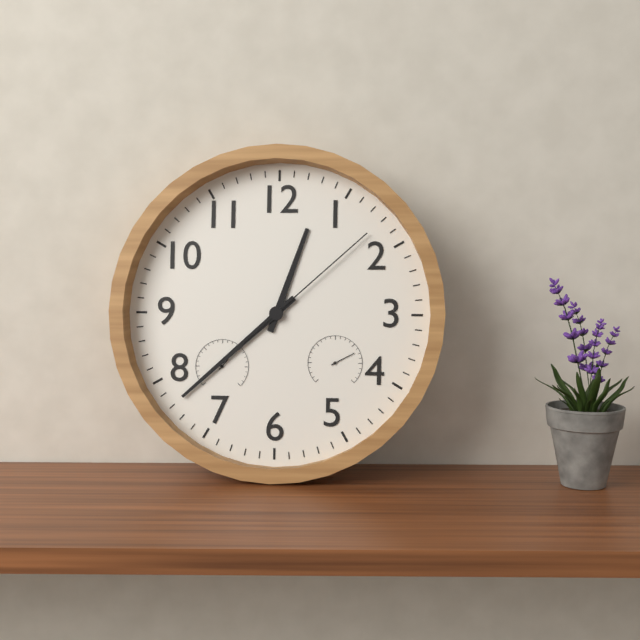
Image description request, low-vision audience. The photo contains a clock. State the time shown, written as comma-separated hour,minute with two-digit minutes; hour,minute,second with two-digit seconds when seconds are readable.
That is 12,38,08
